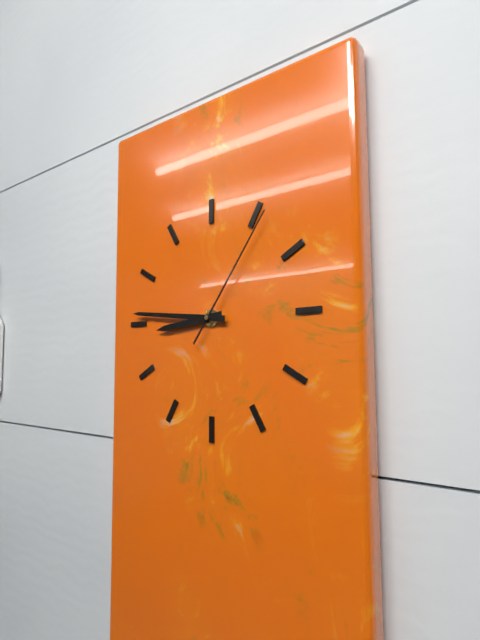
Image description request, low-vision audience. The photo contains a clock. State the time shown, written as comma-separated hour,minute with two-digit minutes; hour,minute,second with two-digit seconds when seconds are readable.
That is 8,46,06
